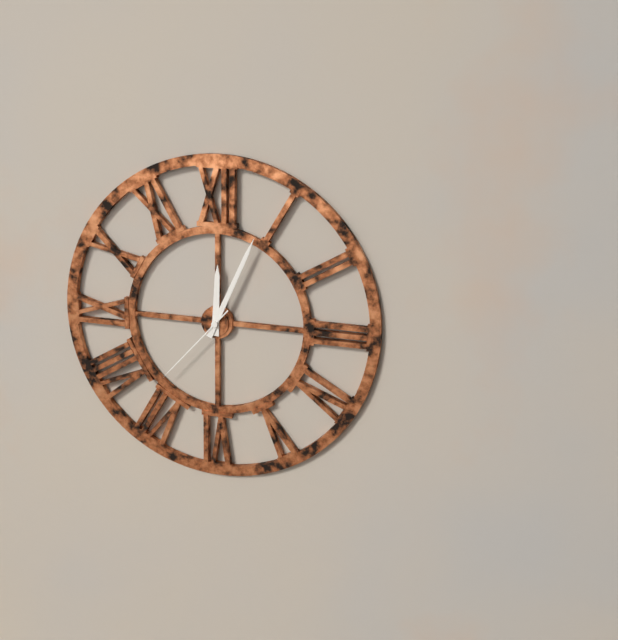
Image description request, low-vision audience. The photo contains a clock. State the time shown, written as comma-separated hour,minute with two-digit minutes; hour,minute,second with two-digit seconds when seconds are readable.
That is 12,04,37
